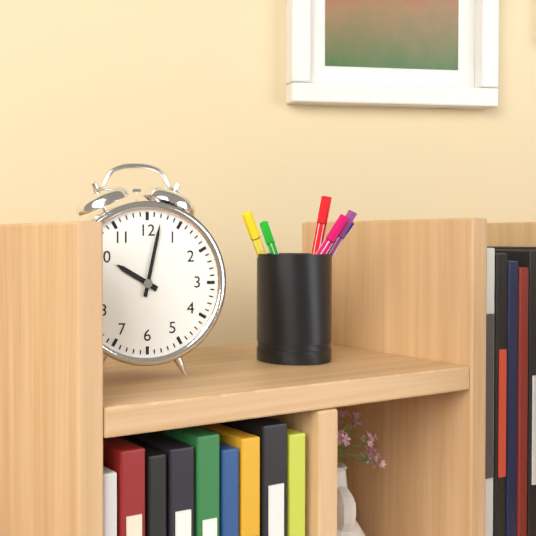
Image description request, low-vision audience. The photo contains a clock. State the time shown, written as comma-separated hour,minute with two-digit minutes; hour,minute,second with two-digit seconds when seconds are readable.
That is 10,02
